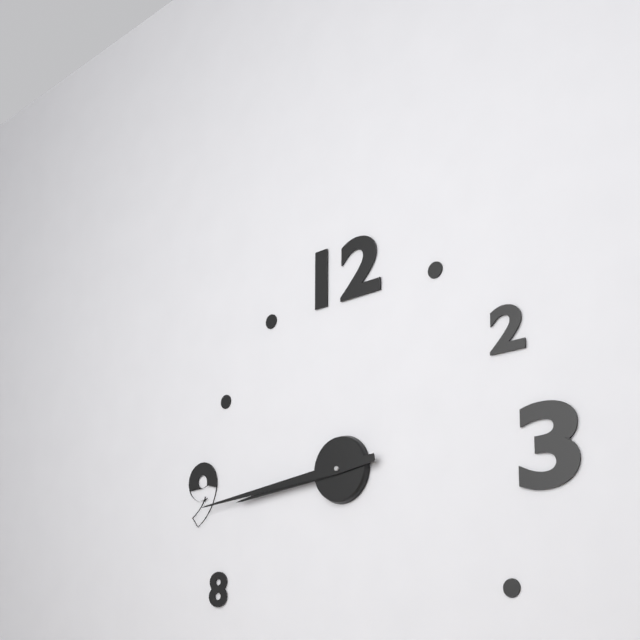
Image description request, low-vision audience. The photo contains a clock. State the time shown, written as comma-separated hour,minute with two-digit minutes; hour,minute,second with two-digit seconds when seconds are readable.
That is 8,44
